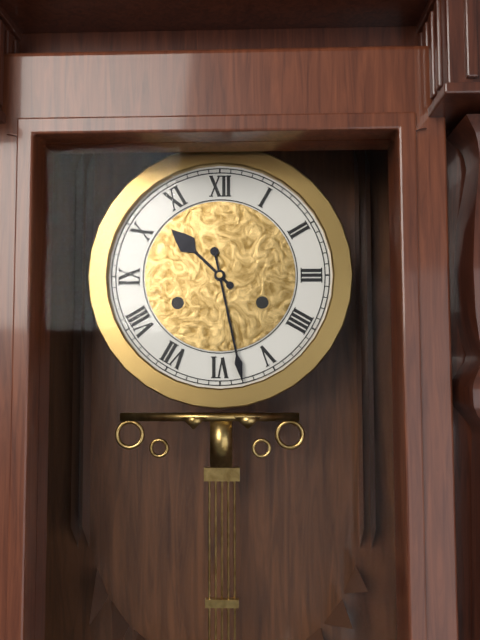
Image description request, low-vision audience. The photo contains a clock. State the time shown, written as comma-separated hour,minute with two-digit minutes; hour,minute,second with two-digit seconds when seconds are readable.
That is 10,28
